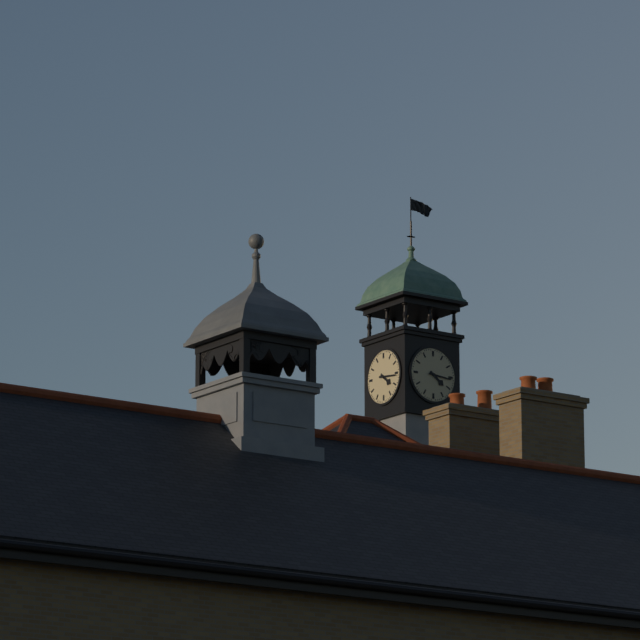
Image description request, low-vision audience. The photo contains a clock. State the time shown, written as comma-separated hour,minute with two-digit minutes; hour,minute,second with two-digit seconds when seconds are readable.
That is 4,16
